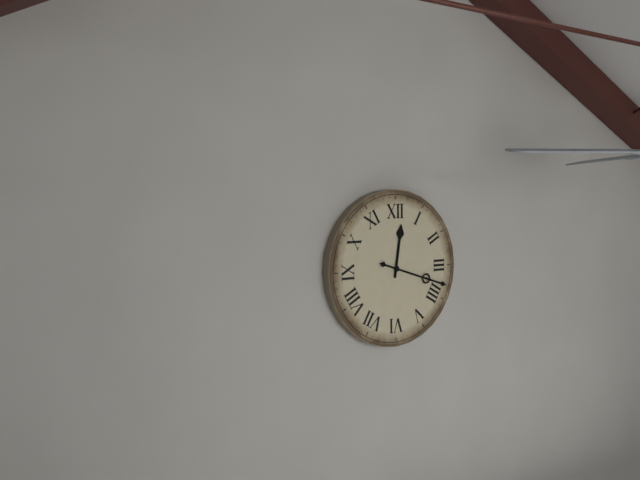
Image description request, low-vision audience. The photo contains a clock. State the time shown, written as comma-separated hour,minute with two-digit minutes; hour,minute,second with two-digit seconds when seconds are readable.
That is 12,18
